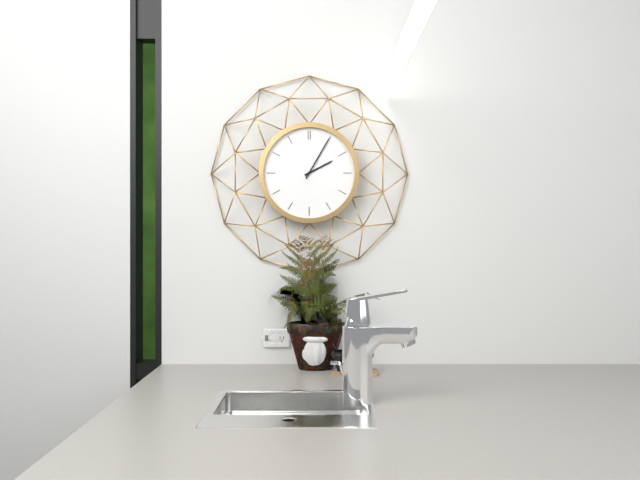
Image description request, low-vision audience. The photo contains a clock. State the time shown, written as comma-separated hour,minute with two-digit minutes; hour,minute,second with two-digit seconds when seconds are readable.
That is 2,05
